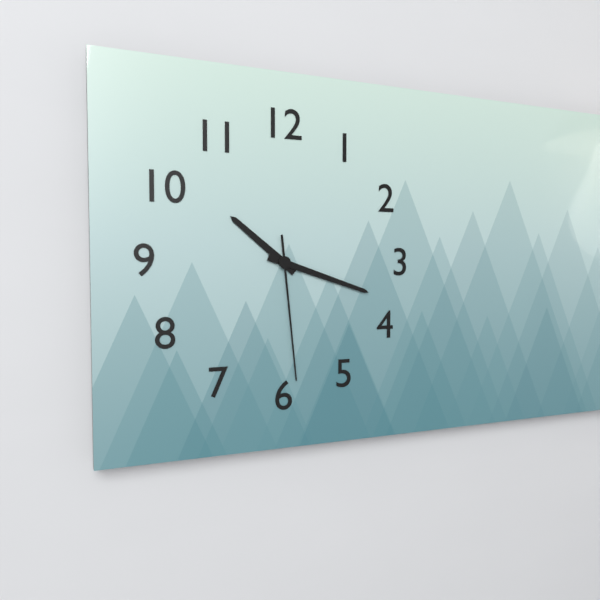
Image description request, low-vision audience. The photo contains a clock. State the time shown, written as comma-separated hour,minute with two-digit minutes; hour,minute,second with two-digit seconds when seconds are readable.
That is 10,18,29
